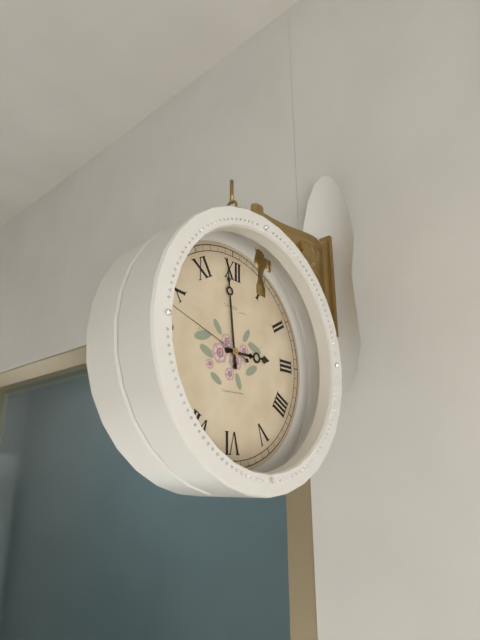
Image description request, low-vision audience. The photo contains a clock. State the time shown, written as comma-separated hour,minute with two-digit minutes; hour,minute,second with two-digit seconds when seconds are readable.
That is 2,59,48
